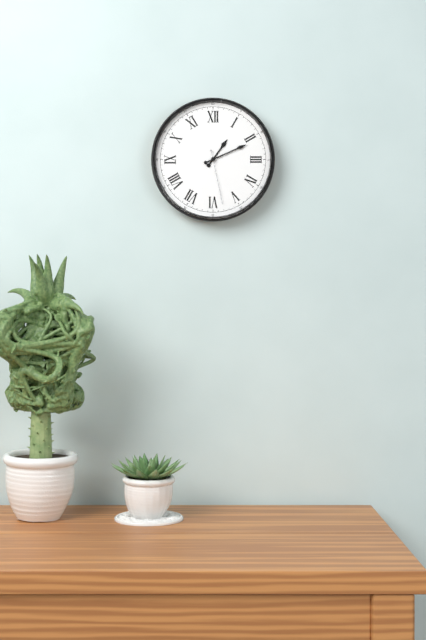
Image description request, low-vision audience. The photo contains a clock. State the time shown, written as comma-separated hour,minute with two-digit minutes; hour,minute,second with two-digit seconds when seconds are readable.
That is 1,11,28
